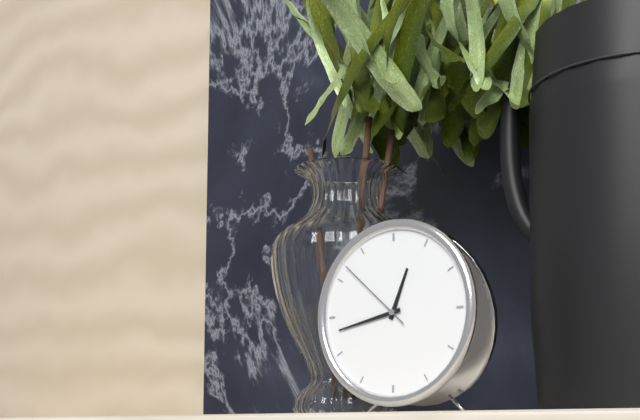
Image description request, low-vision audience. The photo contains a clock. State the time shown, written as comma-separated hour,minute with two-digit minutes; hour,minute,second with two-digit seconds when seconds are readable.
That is 12,43,52
